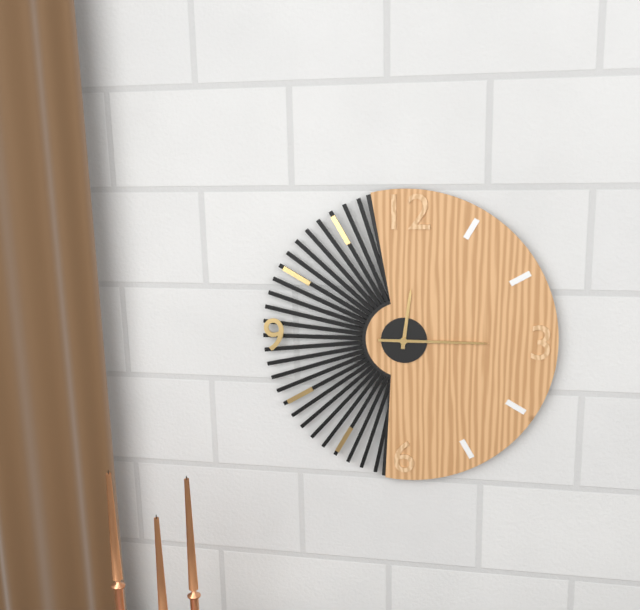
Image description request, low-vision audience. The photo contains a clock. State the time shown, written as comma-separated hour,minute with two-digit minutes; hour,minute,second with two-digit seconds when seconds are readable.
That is 12,15
